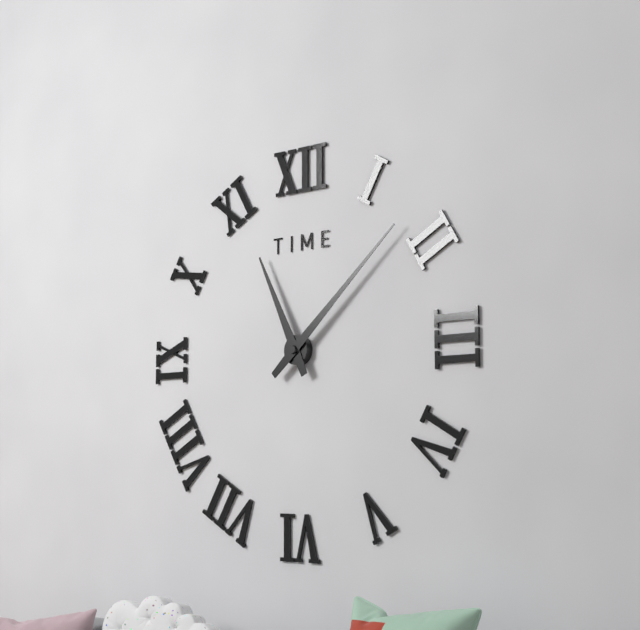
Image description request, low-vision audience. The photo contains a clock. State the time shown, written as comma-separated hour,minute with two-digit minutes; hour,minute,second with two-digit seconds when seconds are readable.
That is 11,08
